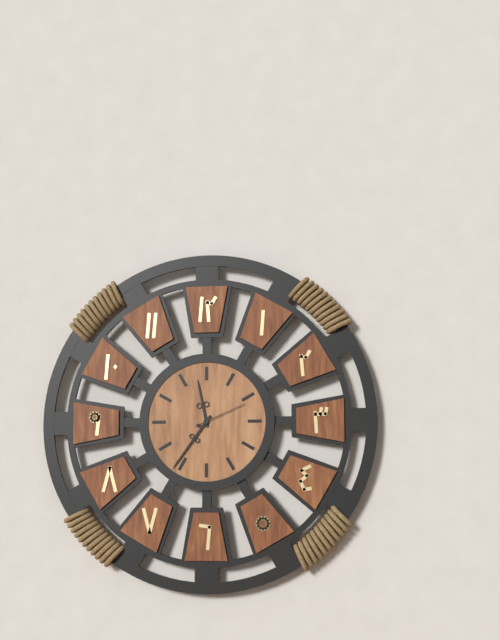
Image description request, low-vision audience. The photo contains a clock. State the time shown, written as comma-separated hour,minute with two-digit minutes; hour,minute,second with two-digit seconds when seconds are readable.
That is 11,36,11
